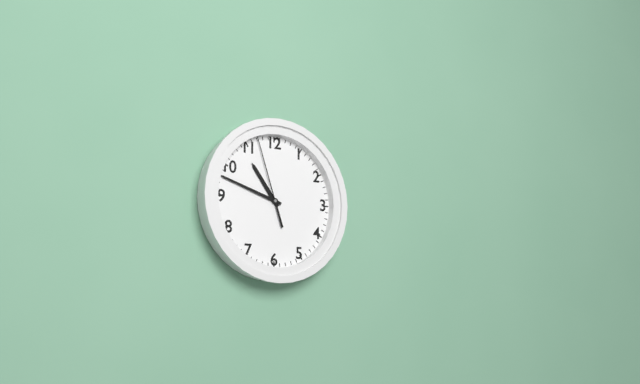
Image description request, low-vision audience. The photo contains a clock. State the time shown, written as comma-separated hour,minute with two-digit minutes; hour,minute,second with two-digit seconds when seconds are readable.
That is 10,48,57
